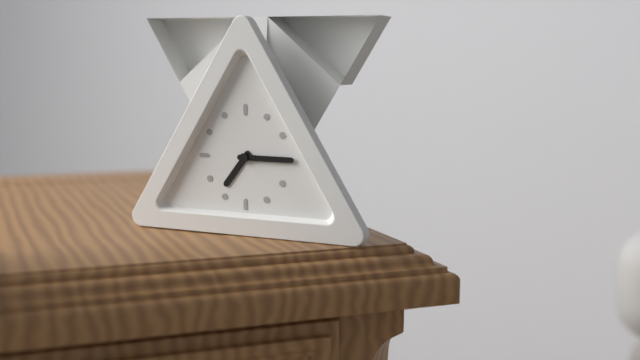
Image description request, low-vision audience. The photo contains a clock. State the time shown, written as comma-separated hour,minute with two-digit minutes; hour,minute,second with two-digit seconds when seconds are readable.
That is 7,15
